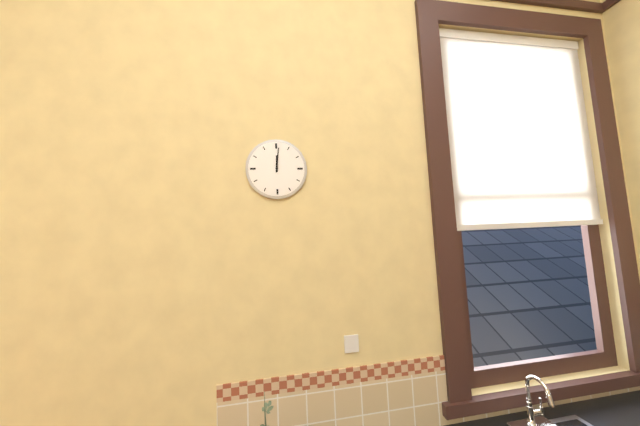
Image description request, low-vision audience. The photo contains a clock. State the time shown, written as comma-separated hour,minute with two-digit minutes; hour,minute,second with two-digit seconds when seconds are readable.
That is 12,01
